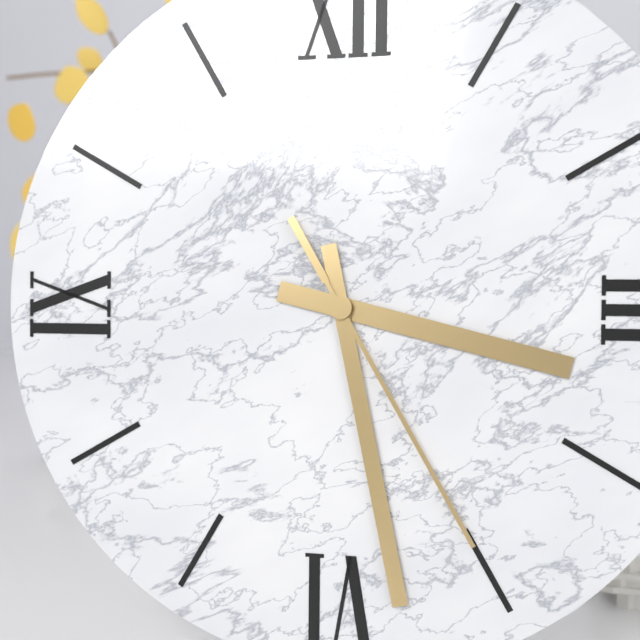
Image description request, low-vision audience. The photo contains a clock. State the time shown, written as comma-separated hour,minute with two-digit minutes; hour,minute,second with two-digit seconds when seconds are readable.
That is 3,28,25
